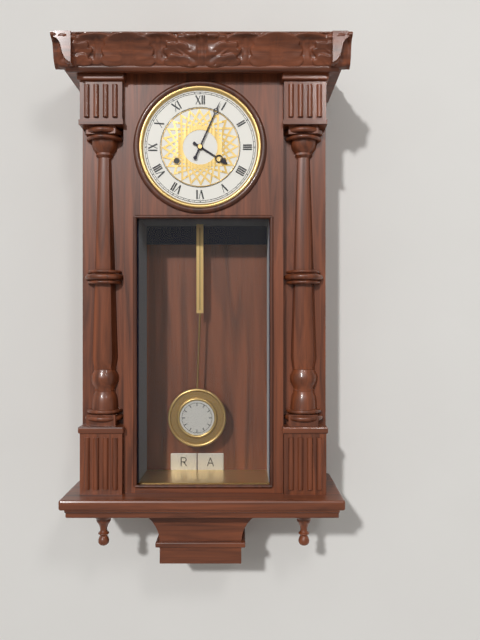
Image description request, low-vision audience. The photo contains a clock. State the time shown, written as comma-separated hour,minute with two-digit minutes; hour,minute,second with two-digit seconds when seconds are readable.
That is 4,04
